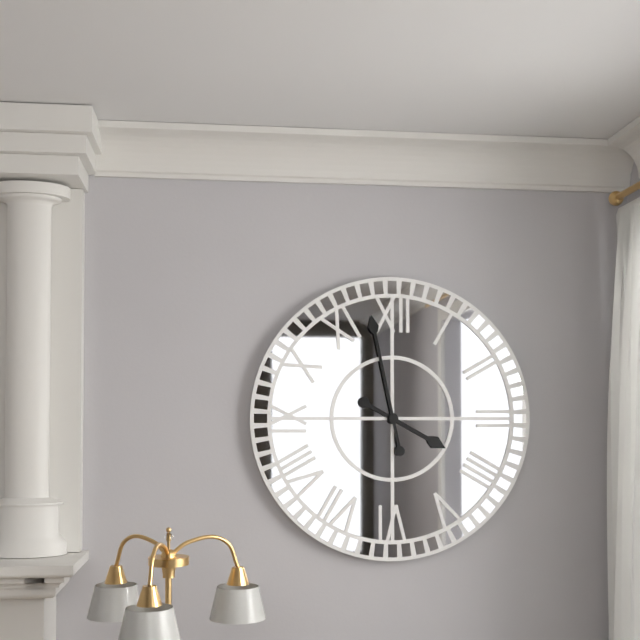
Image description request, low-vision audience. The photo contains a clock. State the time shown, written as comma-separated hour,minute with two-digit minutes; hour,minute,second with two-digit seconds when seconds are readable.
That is 3,58
